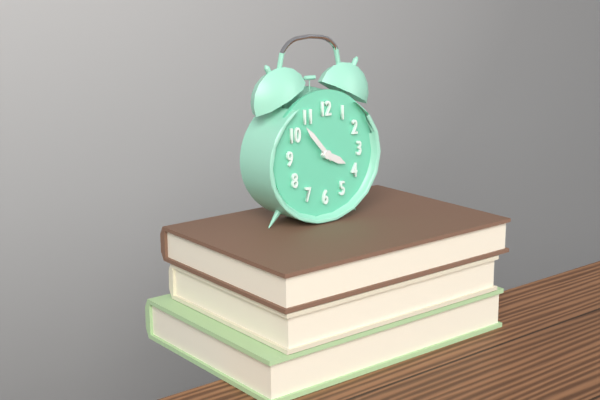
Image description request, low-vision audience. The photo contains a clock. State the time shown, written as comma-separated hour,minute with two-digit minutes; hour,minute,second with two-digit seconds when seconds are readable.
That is 3,53
